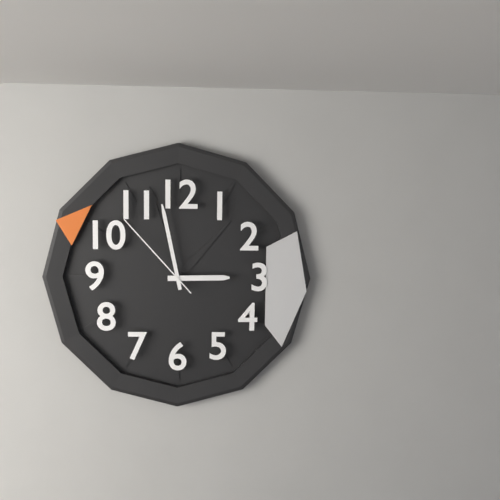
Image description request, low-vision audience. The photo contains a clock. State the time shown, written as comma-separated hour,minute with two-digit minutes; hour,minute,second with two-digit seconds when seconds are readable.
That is 2,58,53
